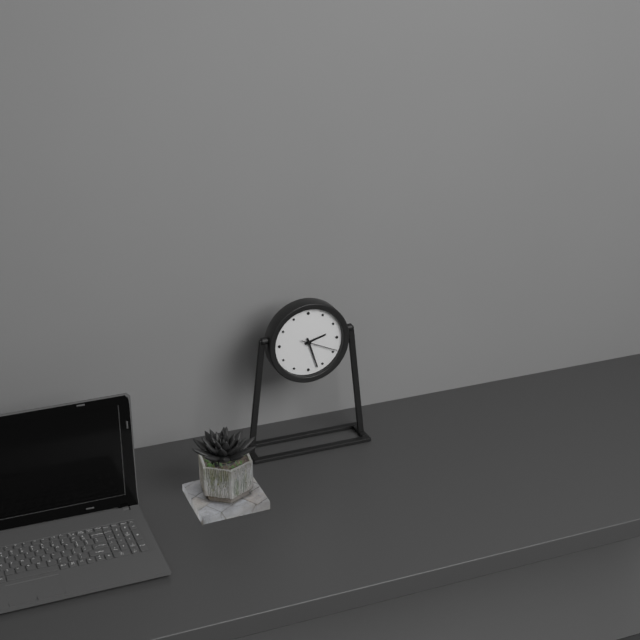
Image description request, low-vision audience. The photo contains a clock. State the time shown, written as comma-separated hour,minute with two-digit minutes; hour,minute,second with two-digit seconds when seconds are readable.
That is 2,27
